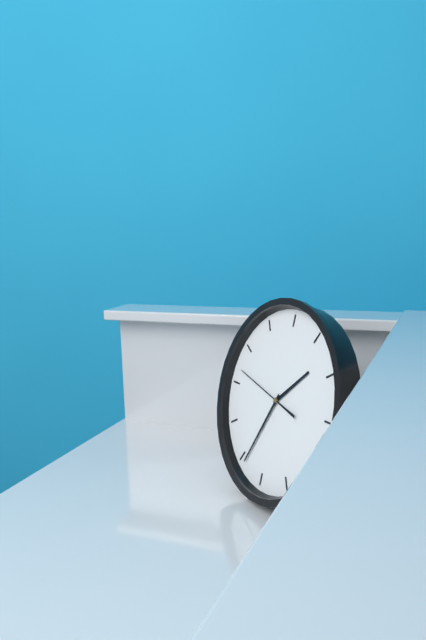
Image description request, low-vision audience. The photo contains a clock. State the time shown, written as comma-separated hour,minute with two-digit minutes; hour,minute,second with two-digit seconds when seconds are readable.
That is 1,34,47
